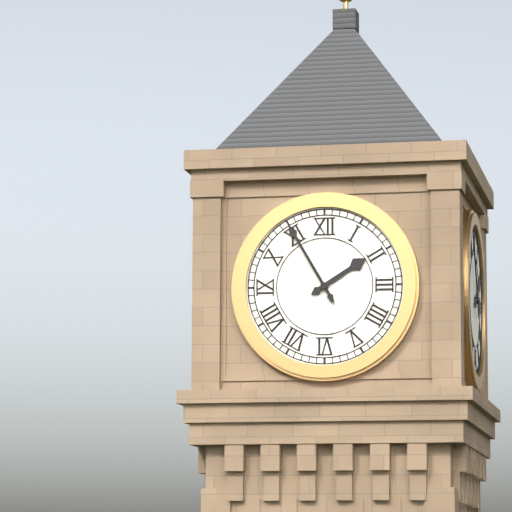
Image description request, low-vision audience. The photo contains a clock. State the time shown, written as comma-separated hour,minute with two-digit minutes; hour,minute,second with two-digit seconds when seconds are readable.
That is 1,55
